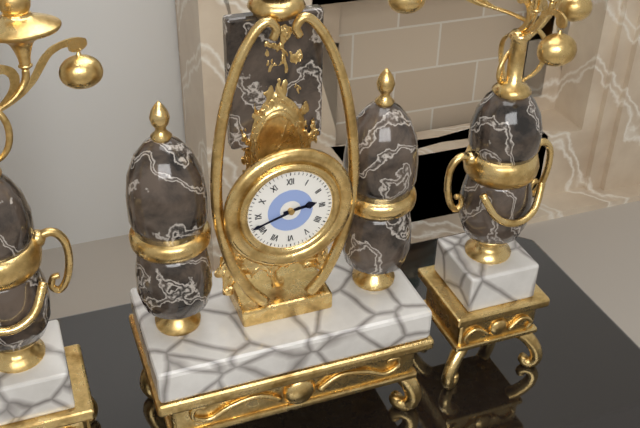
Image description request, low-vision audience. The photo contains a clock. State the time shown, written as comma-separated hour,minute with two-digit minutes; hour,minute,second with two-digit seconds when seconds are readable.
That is 2,42
